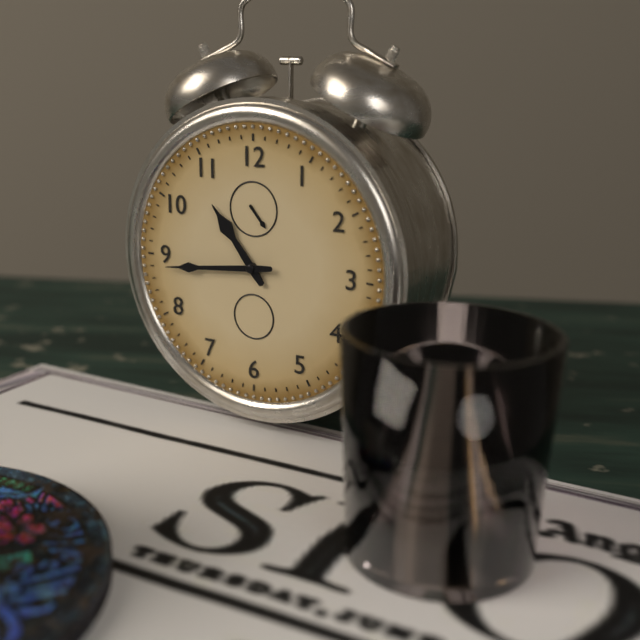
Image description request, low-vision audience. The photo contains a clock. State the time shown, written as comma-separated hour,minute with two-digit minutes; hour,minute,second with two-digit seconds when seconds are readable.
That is 10,44
